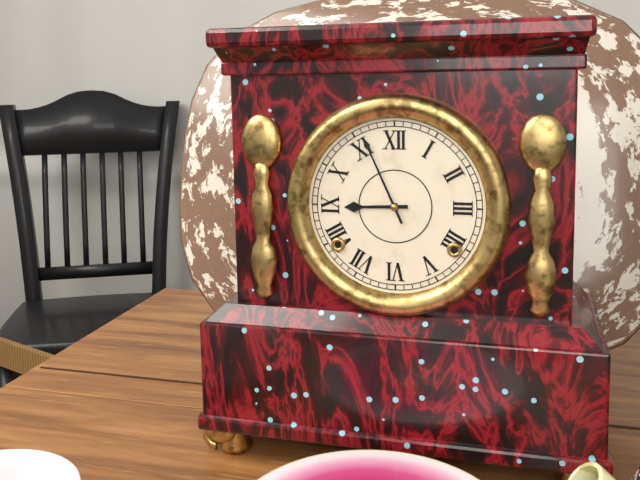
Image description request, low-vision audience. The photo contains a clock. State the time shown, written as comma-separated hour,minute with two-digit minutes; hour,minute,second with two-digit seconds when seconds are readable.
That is 8,56
